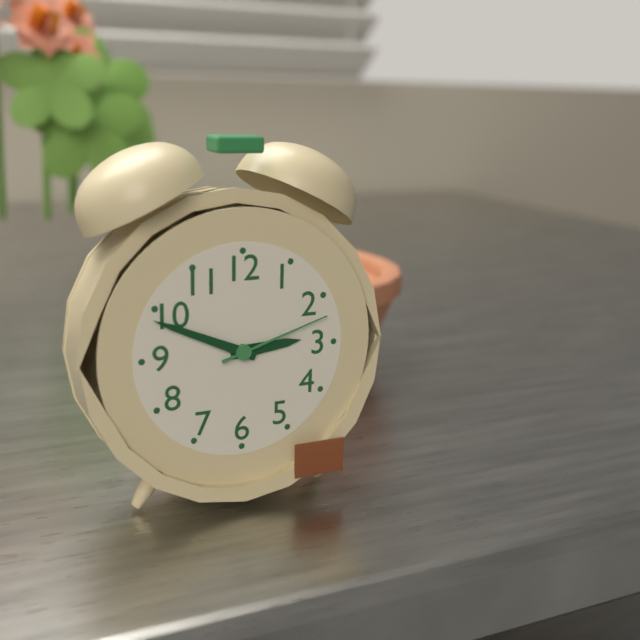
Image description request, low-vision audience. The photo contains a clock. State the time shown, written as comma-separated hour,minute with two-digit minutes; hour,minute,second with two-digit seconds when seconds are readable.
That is 2,49,12
